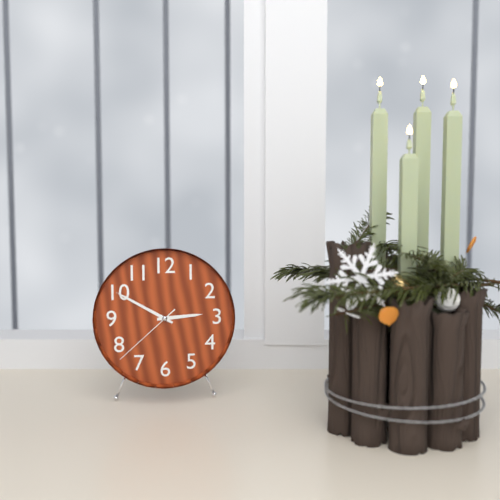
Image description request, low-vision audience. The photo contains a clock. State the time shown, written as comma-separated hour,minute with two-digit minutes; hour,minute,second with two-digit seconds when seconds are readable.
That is 2,50,38
